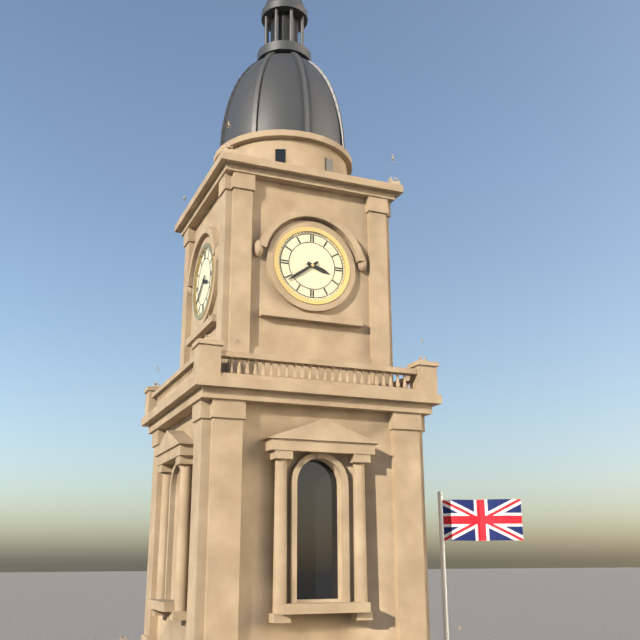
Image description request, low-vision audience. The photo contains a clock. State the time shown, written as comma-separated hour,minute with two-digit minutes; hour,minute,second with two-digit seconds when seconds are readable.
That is 3,39
